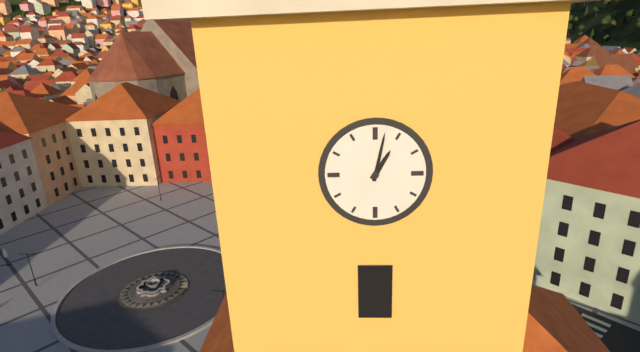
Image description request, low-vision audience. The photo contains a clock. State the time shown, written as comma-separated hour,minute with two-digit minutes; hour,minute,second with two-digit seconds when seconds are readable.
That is 1,02
